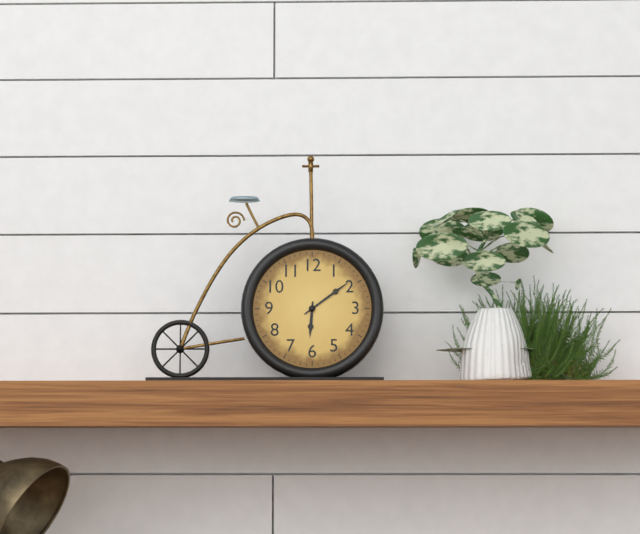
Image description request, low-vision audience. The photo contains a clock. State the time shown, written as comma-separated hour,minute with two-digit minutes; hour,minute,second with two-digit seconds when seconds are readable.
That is 6,09
